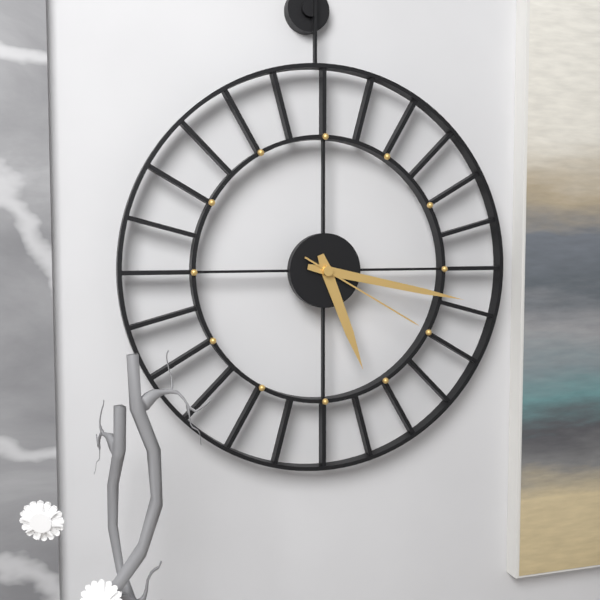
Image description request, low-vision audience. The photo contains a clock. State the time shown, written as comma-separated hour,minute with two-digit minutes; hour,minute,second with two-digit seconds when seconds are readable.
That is 5,17,20
